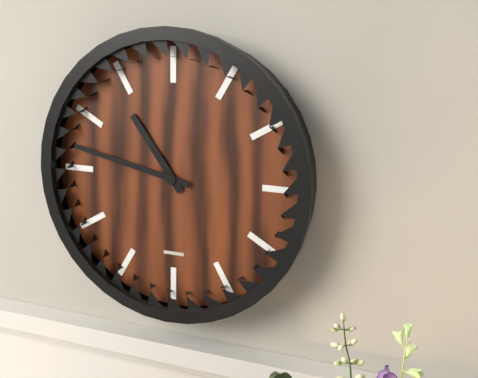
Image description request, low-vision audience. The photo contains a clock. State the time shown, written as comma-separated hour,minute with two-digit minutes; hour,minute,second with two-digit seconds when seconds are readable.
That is 10,47
